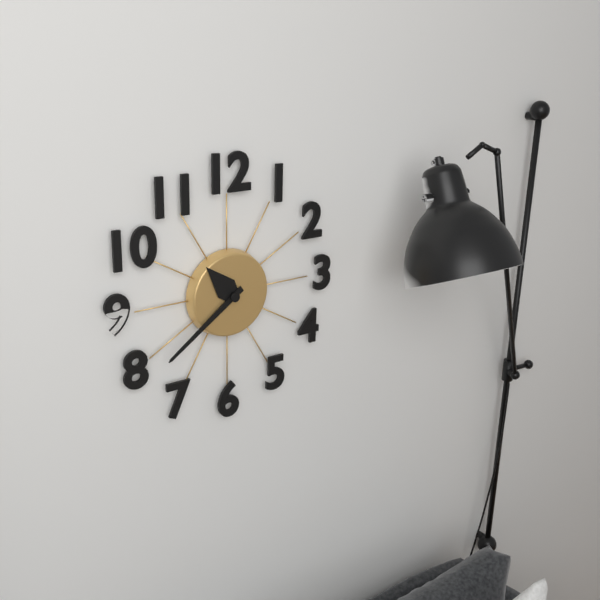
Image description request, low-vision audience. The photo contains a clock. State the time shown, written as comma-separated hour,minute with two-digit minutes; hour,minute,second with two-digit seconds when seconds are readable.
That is 10,39
